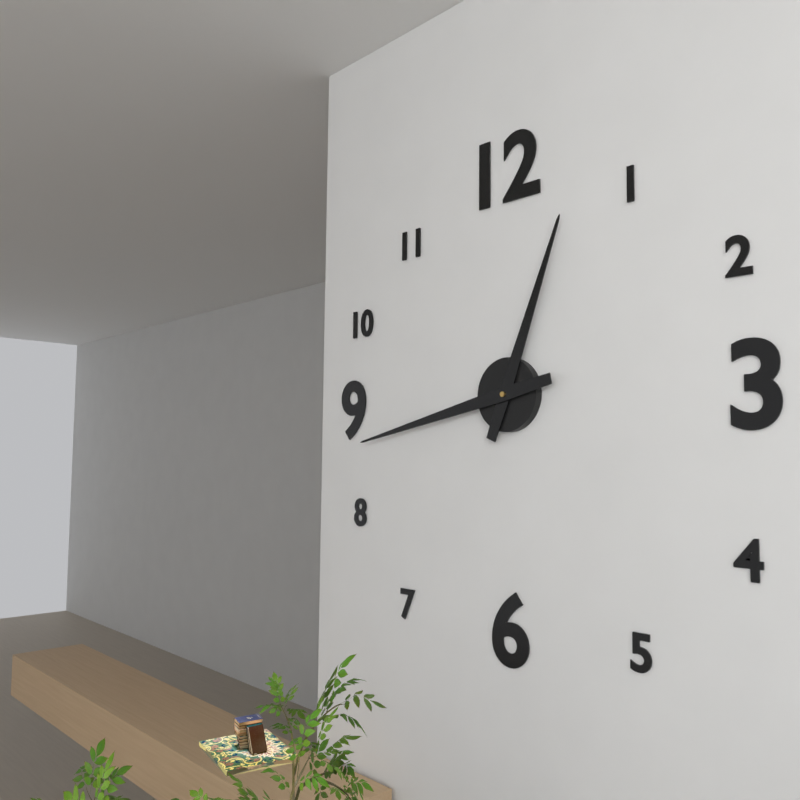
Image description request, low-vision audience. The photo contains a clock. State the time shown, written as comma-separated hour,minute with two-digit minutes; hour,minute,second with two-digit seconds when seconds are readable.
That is 12,43
